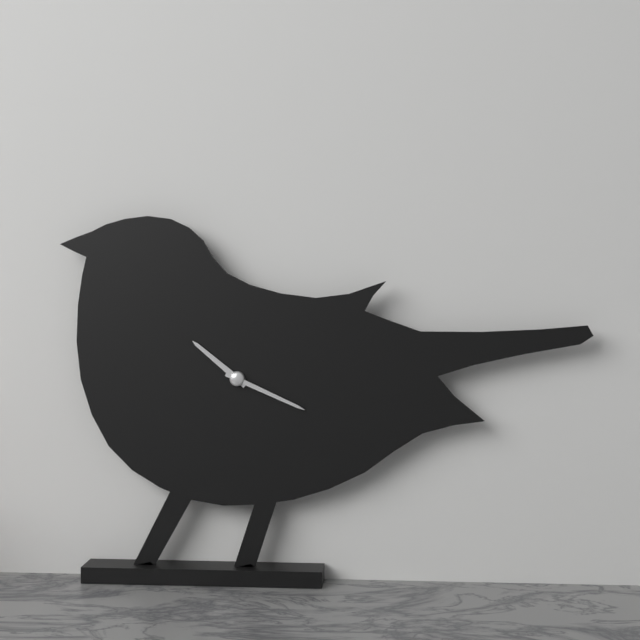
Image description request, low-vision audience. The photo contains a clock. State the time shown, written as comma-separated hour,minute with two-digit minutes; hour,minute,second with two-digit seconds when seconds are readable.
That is 10,19
